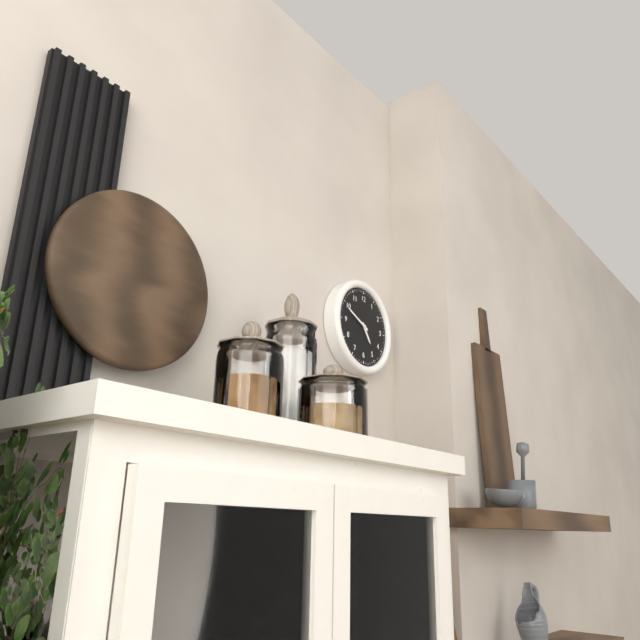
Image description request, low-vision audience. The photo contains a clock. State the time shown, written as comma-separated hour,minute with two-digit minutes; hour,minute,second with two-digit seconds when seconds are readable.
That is 4,49
